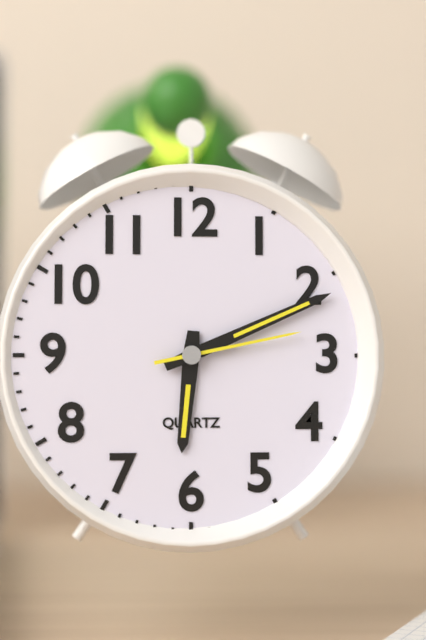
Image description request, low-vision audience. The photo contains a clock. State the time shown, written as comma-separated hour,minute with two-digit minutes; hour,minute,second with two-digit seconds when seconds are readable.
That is 6,11,13
